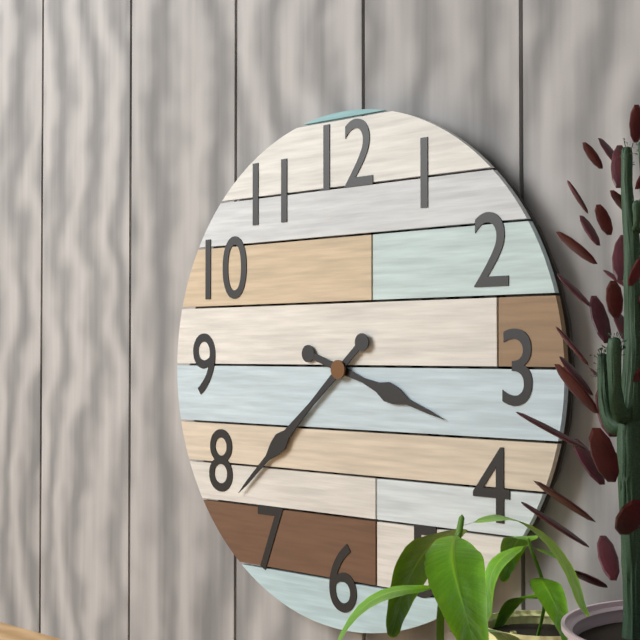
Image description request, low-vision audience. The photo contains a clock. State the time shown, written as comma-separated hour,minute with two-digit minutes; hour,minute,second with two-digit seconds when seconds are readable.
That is 3,38
